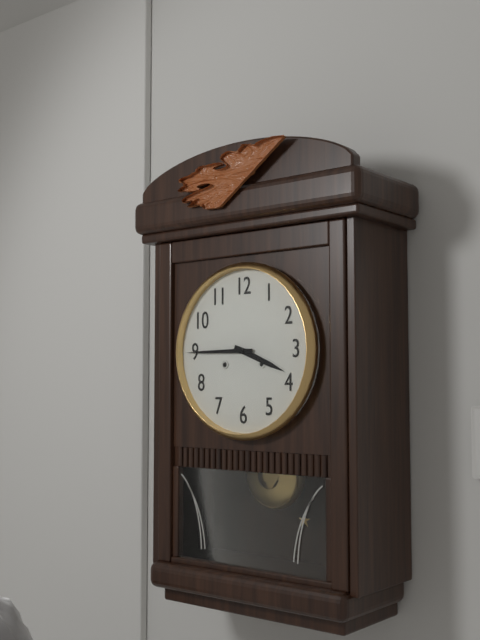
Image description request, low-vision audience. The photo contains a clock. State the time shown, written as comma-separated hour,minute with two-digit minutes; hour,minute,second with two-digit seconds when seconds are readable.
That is 3,45
